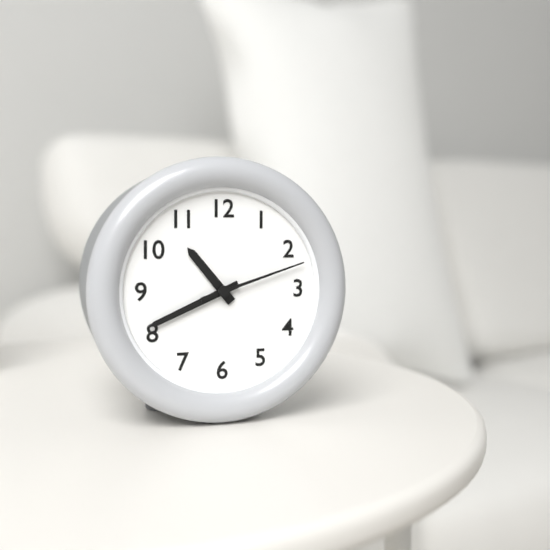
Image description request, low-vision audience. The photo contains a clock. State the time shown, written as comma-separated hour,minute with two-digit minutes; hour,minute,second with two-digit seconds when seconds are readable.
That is 10,41,12
